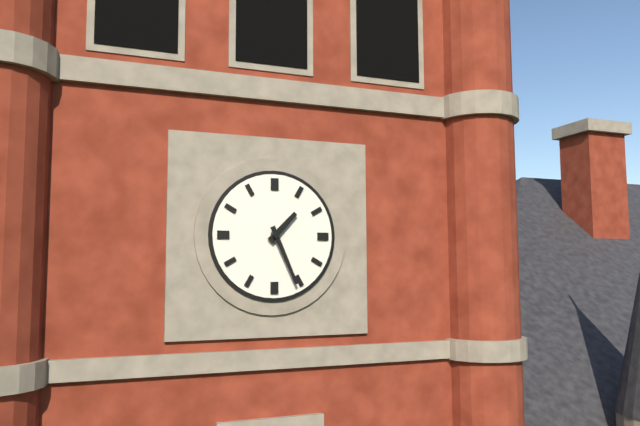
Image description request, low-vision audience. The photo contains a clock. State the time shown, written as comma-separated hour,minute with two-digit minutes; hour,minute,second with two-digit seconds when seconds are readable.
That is 1,26
